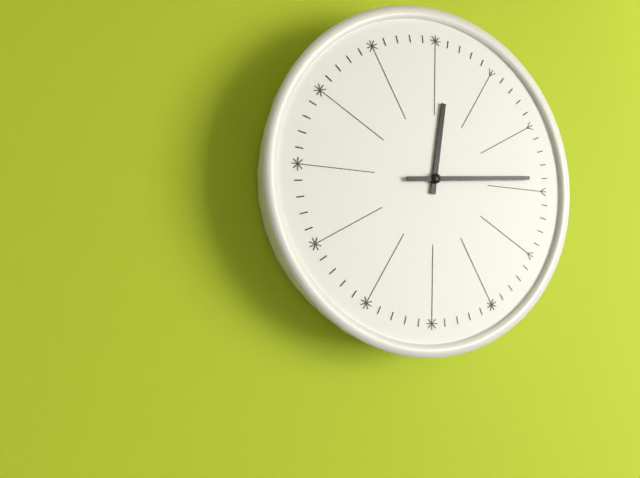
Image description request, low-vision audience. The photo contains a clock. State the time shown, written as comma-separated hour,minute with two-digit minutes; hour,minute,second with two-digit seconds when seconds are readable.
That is 12,14
